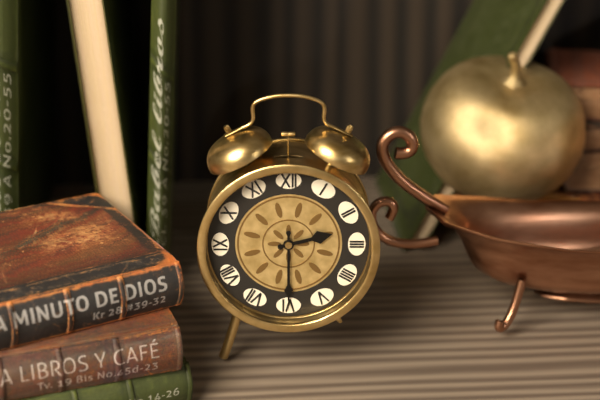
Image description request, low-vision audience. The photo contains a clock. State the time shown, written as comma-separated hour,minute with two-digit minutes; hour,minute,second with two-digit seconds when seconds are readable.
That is 2,30
